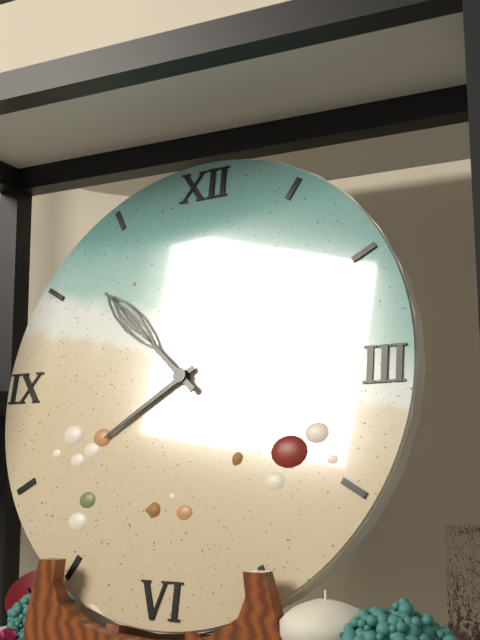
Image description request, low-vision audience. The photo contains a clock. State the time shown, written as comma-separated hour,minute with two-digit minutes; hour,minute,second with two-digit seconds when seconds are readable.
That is 7,52
